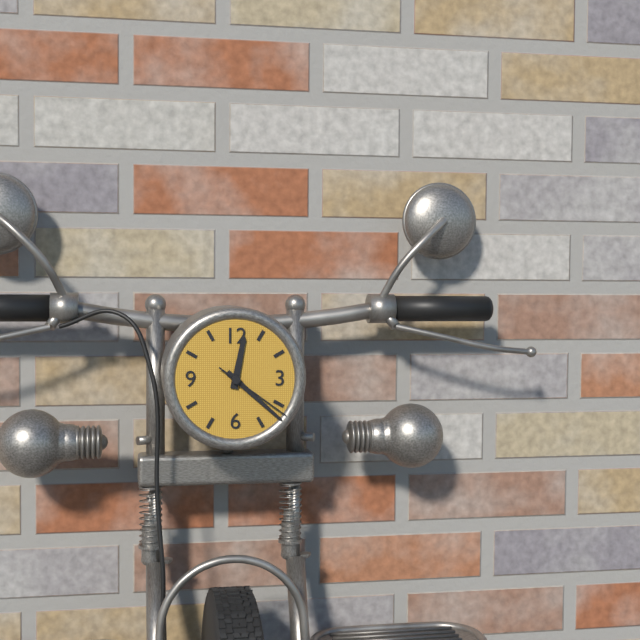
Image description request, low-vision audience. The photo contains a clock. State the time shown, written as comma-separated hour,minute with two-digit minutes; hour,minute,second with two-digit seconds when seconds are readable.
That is 12,22,21
